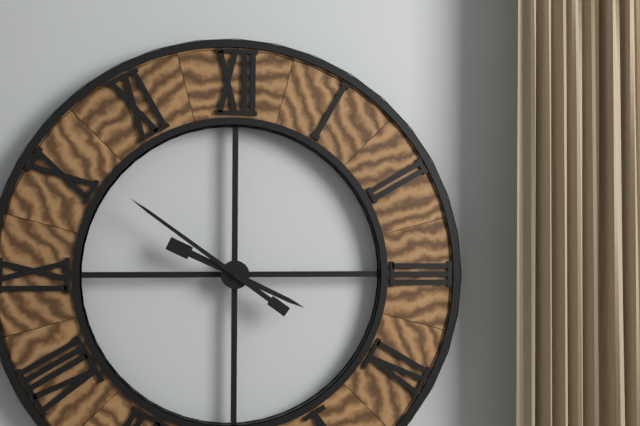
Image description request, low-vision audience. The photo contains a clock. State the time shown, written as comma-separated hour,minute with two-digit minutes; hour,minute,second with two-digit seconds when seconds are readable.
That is 3,51
